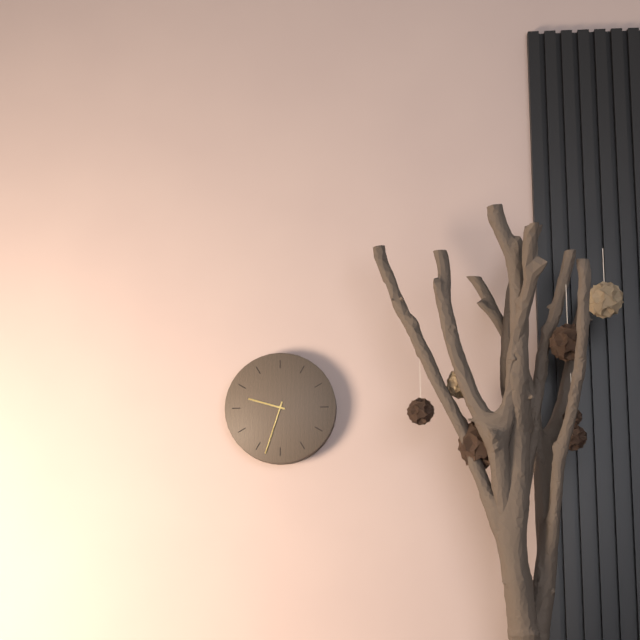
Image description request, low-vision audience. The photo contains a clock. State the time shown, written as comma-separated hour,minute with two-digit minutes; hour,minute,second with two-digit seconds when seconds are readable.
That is 9,33
